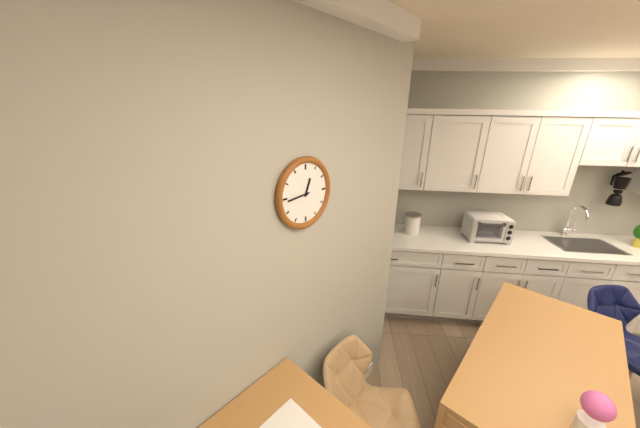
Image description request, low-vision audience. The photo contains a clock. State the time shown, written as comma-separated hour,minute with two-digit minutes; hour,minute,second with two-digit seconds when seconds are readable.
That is 12,44
